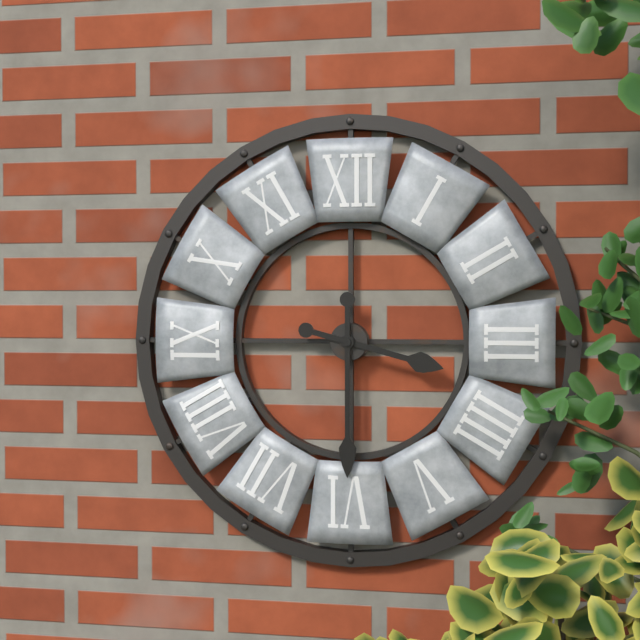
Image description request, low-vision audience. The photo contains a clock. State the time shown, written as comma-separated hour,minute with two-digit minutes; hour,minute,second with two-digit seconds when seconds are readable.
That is 3,30
